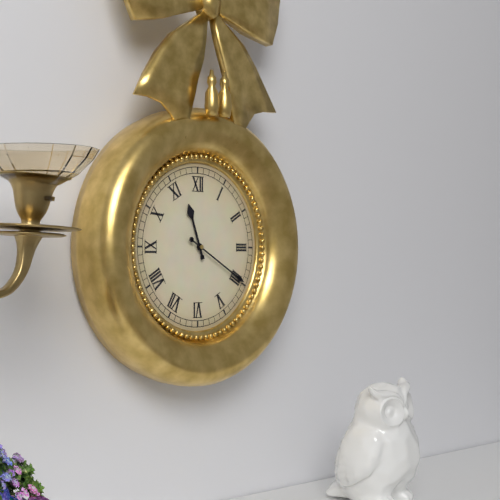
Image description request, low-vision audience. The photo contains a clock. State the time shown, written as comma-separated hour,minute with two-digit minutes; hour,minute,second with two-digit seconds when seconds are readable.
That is 11,20
